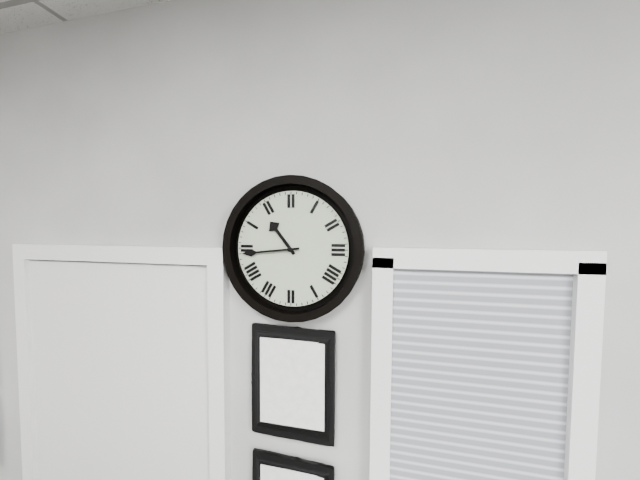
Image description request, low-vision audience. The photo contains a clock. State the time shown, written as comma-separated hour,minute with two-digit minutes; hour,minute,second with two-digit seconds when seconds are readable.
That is 10,44
